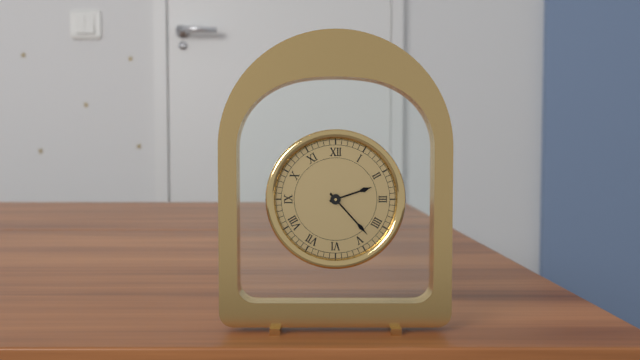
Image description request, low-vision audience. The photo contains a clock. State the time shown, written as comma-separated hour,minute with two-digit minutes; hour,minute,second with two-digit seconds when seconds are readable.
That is 2,23
